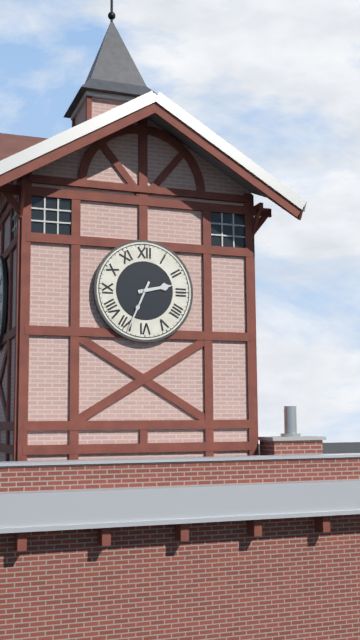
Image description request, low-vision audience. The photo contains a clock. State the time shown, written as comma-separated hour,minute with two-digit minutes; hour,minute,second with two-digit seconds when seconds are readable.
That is 2,34
